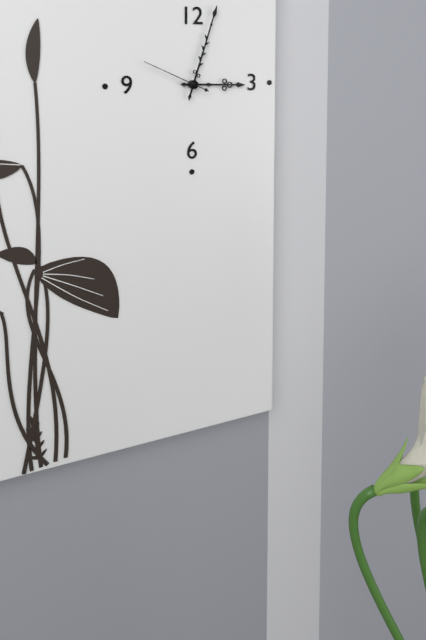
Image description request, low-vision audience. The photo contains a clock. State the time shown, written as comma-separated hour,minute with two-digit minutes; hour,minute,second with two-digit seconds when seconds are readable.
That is 3,03,49
